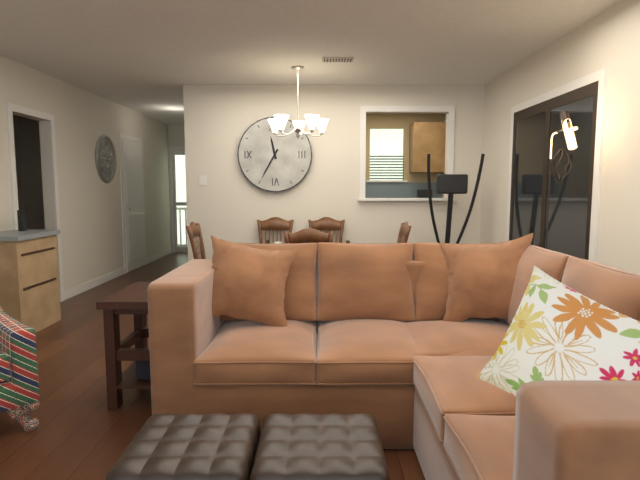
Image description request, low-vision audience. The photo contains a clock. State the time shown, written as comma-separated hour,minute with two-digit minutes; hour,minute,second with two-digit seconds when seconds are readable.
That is 11,35
